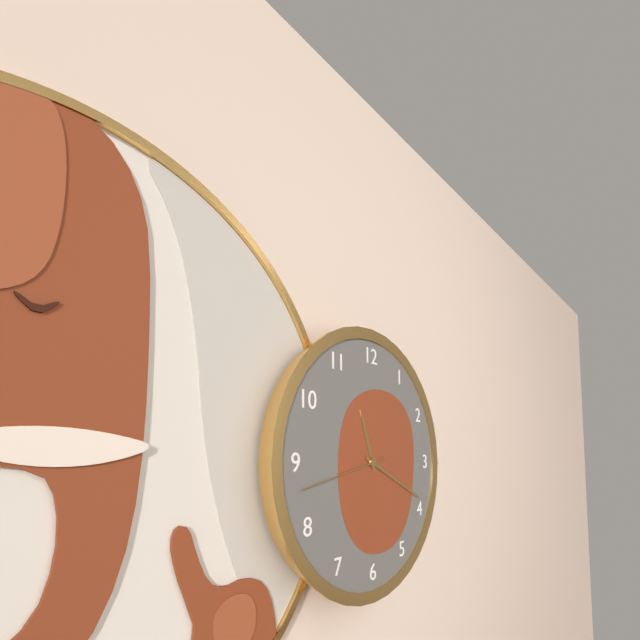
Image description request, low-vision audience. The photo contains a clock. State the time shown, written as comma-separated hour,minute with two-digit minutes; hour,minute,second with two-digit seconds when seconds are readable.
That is 11,19,43
